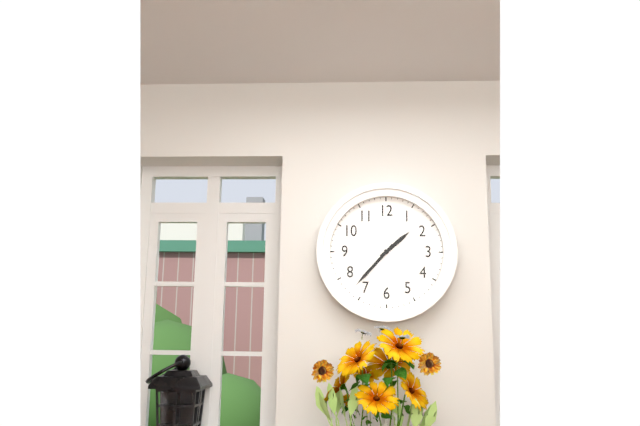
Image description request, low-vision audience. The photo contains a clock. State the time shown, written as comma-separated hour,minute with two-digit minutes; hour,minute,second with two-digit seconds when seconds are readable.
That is 1,37
